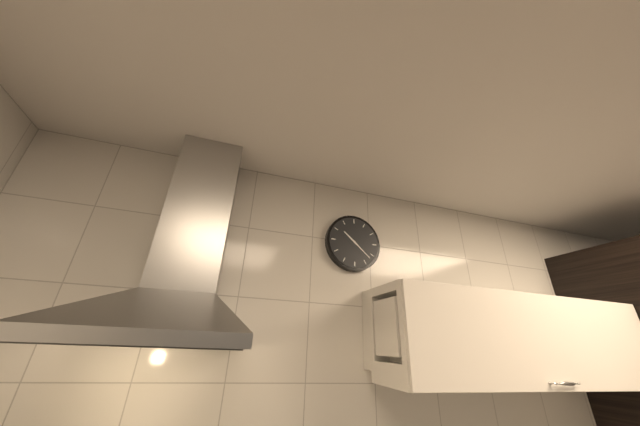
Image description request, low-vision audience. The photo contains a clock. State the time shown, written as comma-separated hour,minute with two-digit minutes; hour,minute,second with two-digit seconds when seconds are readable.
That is 10,22
